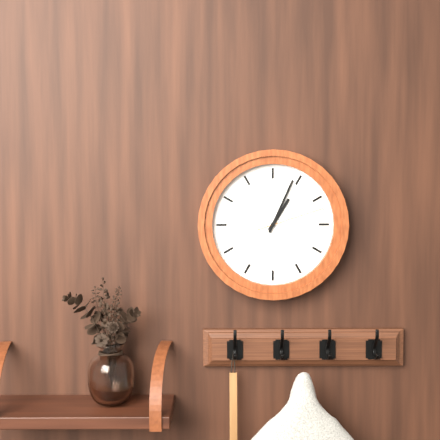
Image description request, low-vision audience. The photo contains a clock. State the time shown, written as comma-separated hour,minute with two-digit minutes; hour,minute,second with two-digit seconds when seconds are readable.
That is 1,04,12
